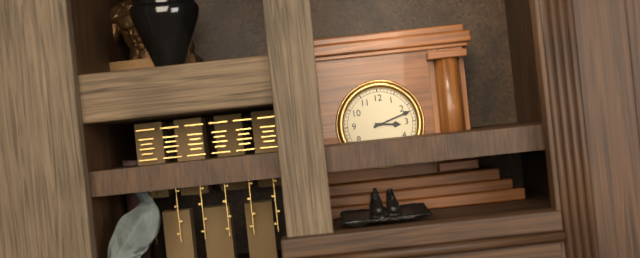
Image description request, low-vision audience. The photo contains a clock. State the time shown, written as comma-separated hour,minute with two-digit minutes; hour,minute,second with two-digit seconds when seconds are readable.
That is 3,12
